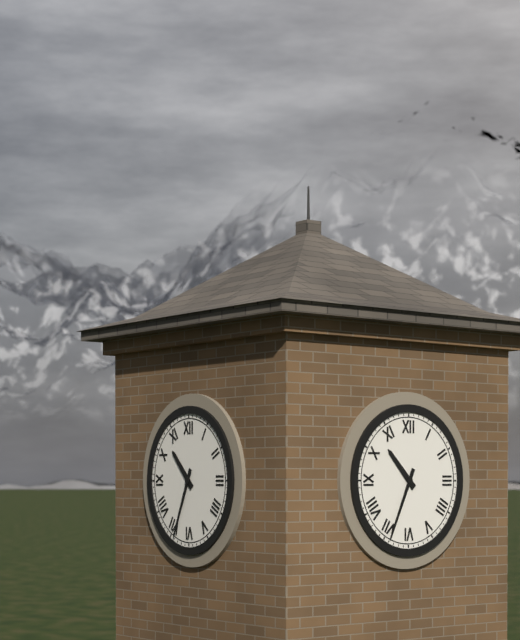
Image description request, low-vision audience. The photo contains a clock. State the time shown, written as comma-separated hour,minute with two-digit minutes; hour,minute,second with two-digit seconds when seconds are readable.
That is 10,34
